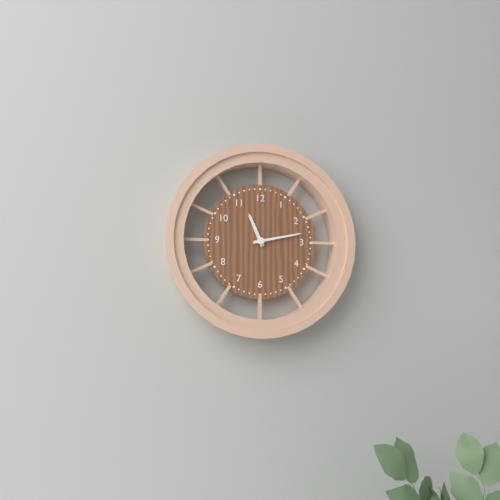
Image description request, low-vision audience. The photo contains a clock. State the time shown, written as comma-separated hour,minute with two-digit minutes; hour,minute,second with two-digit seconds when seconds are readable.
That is 11,13
